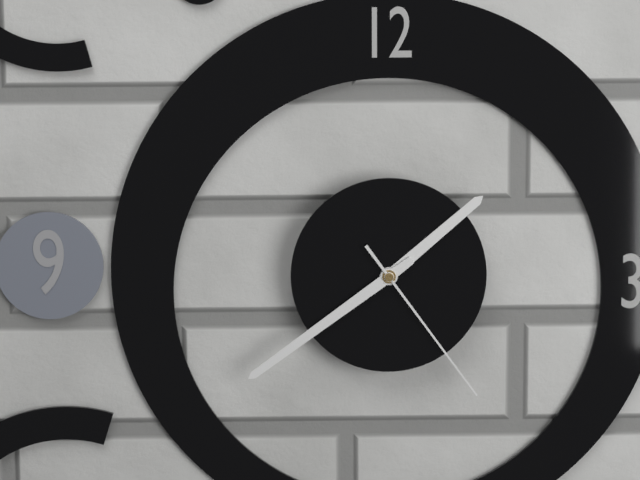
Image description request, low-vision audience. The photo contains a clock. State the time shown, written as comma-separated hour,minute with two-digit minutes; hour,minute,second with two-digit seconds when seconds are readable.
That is 1,39,24
